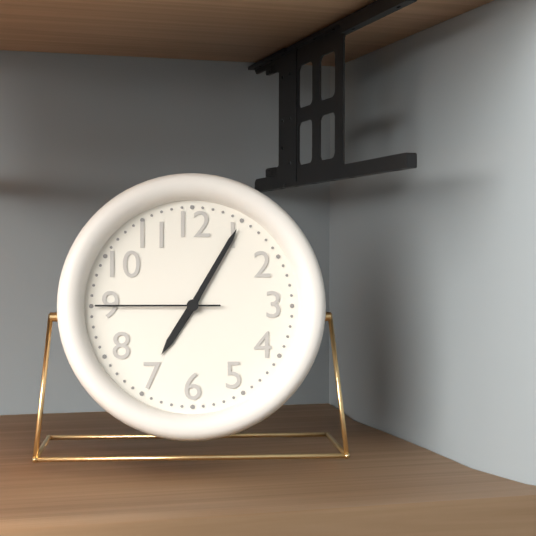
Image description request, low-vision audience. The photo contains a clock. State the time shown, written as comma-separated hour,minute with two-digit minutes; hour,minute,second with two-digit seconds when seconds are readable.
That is 7,05,45
